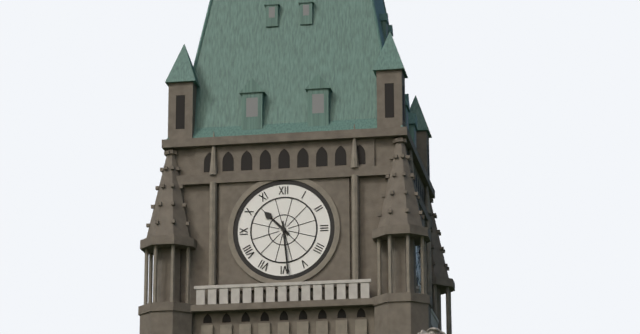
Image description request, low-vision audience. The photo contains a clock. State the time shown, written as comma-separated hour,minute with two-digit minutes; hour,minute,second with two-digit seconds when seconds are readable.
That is 10,29
